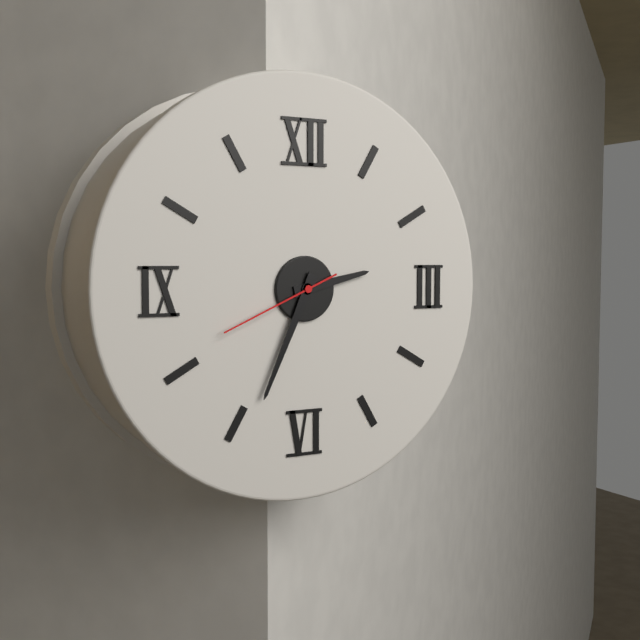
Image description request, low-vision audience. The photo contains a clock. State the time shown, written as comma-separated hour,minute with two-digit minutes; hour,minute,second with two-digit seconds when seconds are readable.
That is 2,34,41
